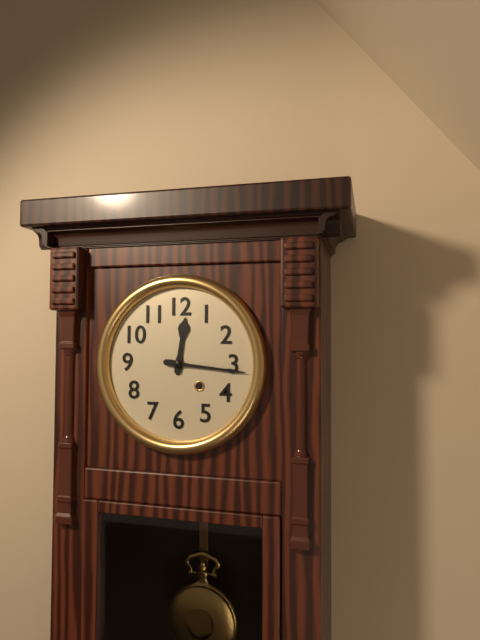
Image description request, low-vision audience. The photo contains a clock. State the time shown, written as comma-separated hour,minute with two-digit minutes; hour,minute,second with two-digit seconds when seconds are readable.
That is 12,16
